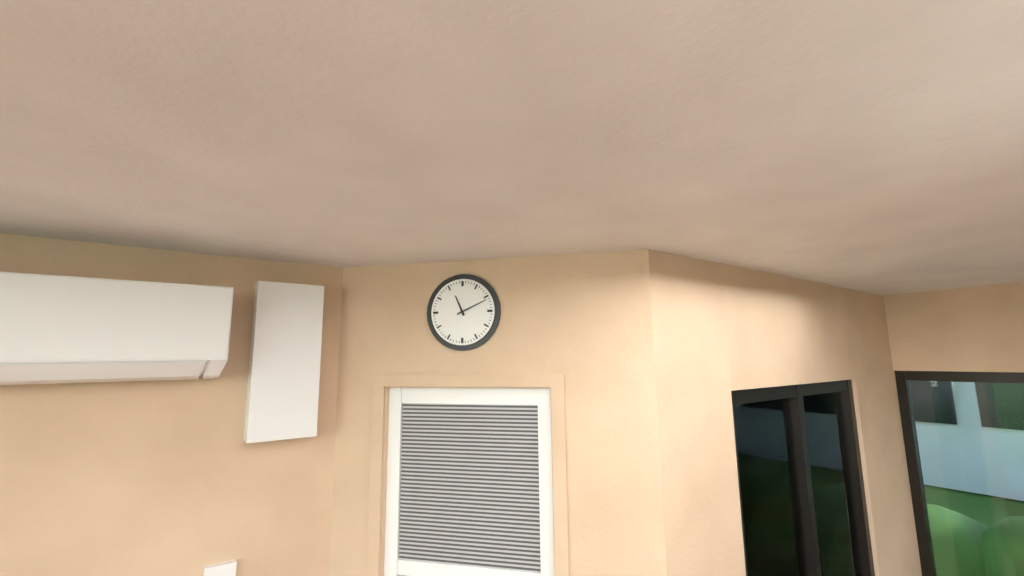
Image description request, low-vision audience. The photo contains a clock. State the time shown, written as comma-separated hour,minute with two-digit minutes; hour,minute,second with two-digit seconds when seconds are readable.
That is 11,11
